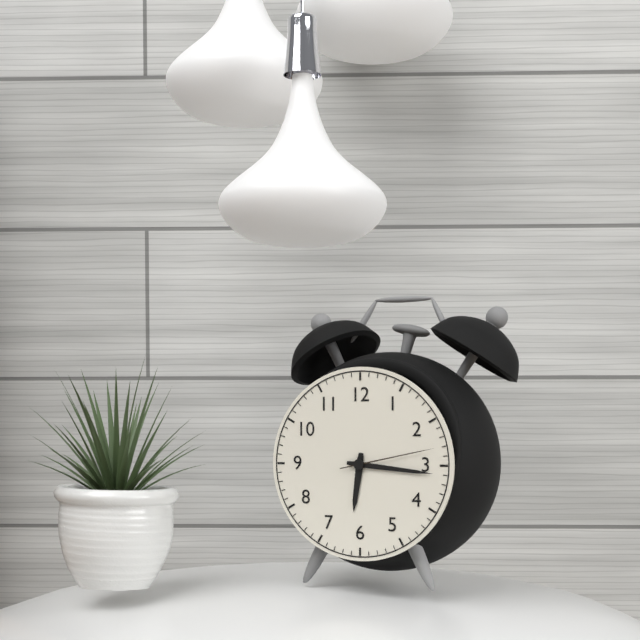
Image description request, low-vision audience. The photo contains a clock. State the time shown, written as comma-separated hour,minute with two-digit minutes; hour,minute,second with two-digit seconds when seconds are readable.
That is 6,16,13
